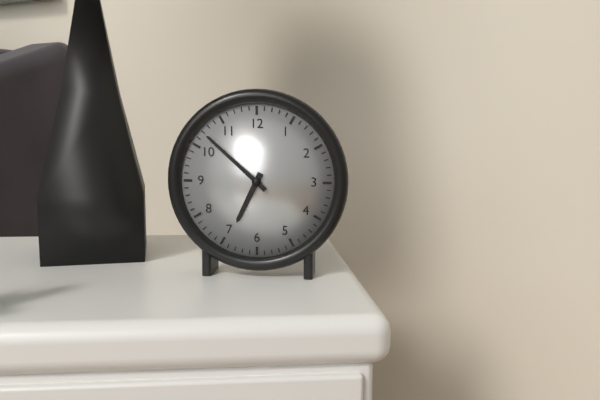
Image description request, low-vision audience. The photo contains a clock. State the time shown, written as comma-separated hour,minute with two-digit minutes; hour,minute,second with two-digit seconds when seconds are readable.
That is 6,52
